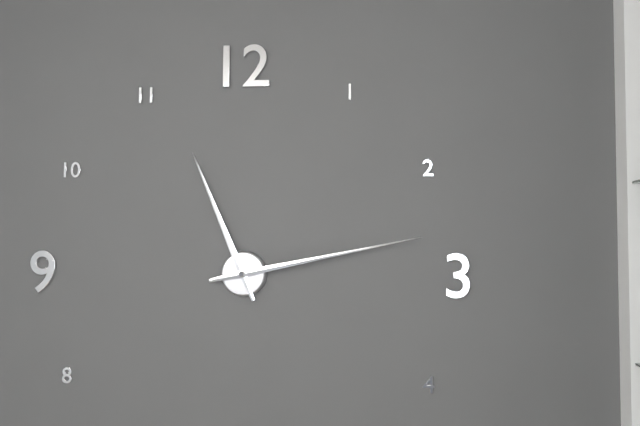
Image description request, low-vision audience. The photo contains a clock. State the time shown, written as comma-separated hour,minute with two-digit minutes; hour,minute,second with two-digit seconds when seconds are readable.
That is 11,13
